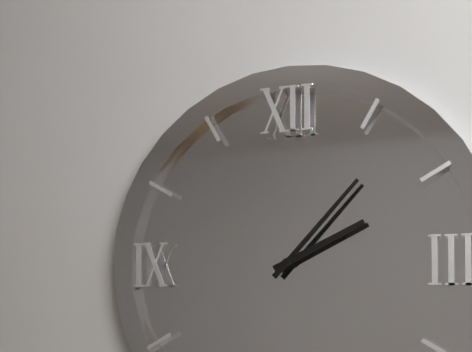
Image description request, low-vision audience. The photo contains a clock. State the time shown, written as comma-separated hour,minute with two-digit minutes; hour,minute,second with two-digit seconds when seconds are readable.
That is 2,07
